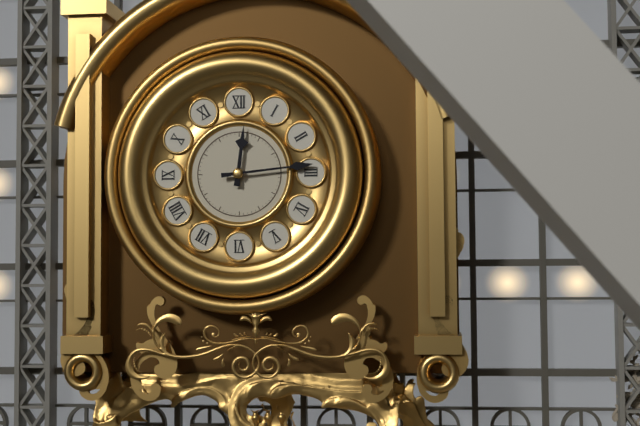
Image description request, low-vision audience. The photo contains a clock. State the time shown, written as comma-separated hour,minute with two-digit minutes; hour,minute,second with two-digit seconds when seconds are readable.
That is 12,14
